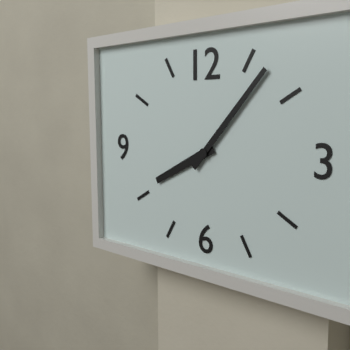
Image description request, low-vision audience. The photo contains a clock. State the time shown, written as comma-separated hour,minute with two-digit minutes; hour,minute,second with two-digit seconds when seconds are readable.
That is 8,07
